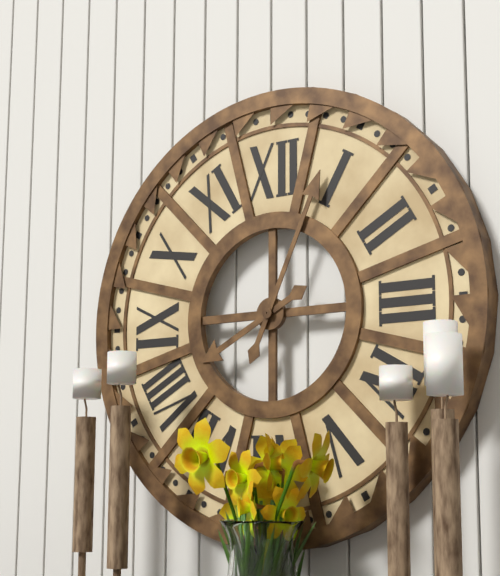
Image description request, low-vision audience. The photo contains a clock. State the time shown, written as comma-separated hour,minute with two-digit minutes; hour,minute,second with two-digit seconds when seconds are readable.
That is 8,04
